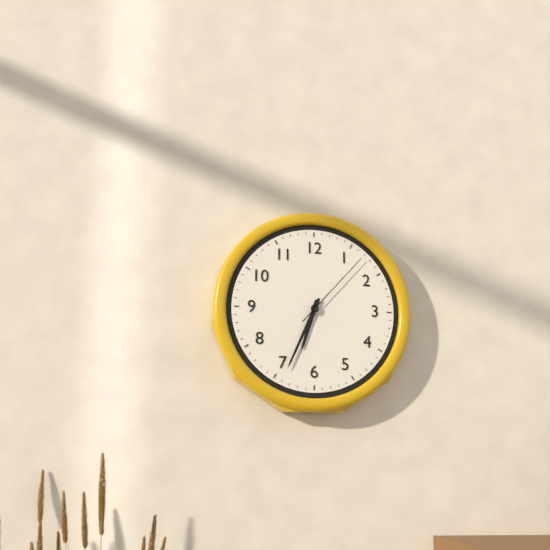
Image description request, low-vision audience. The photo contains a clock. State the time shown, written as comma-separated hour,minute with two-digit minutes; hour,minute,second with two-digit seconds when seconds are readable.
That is 6,34,07
